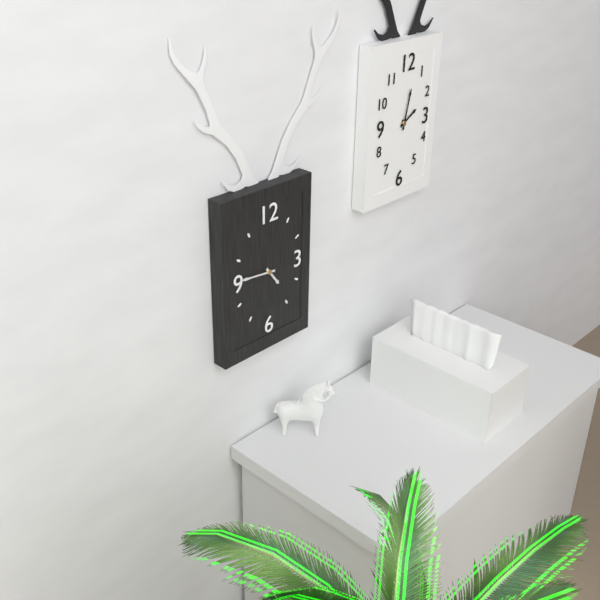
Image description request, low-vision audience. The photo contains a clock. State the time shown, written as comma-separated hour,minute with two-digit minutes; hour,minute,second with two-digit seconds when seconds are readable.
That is 4,46
